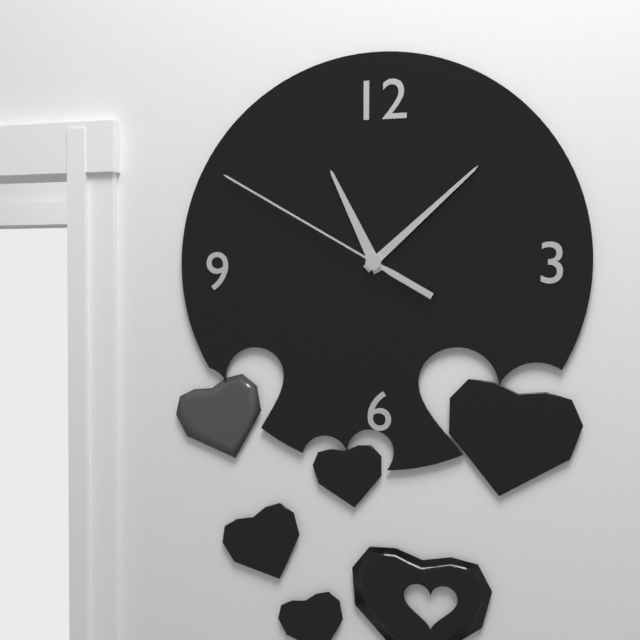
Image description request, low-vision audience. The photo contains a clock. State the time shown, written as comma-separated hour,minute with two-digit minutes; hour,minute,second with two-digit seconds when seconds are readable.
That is 11,08,50
